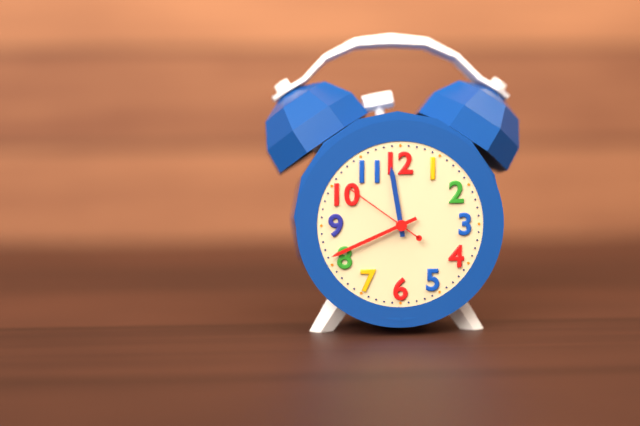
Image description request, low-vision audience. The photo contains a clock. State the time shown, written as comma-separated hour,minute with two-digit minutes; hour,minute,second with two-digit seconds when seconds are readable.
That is 11,41,51
